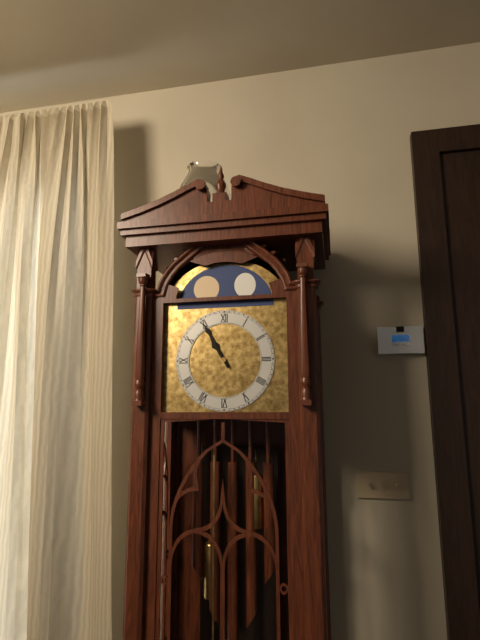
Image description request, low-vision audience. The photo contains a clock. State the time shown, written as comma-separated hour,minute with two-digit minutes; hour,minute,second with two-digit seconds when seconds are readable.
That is 10,55
